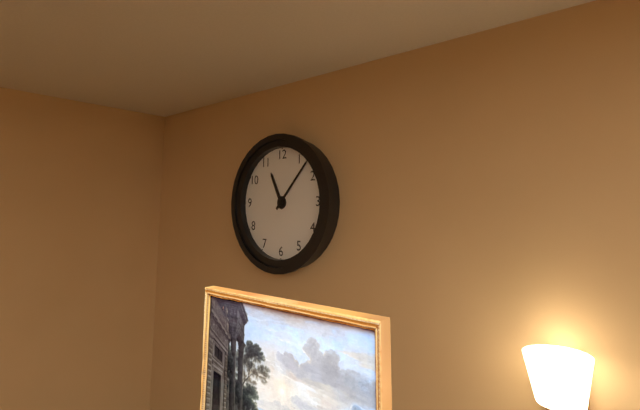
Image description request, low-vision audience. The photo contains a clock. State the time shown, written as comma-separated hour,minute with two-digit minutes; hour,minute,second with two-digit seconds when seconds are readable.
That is 11,07
